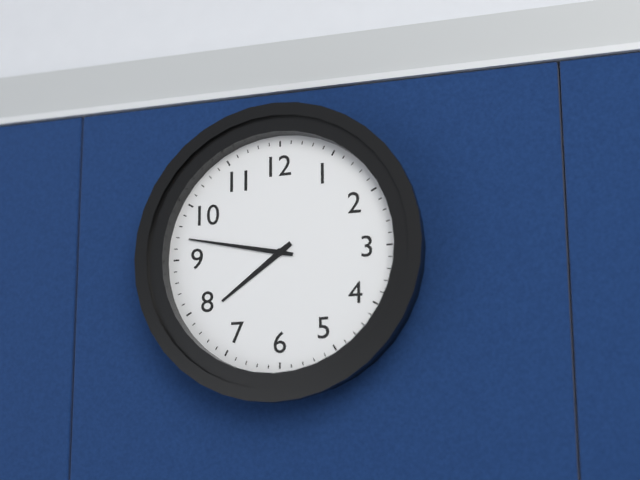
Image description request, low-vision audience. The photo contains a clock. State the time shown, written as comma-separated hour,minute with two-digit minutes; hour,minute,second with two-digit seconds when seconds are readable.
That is 7,47
